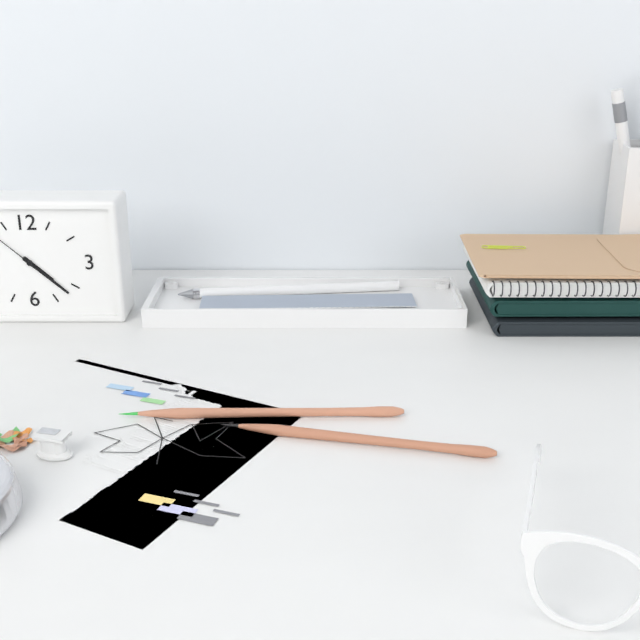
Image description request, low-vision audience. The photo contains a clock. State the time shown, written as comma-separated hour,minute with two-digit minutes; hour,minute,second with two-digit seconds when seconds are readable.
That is 4,22
